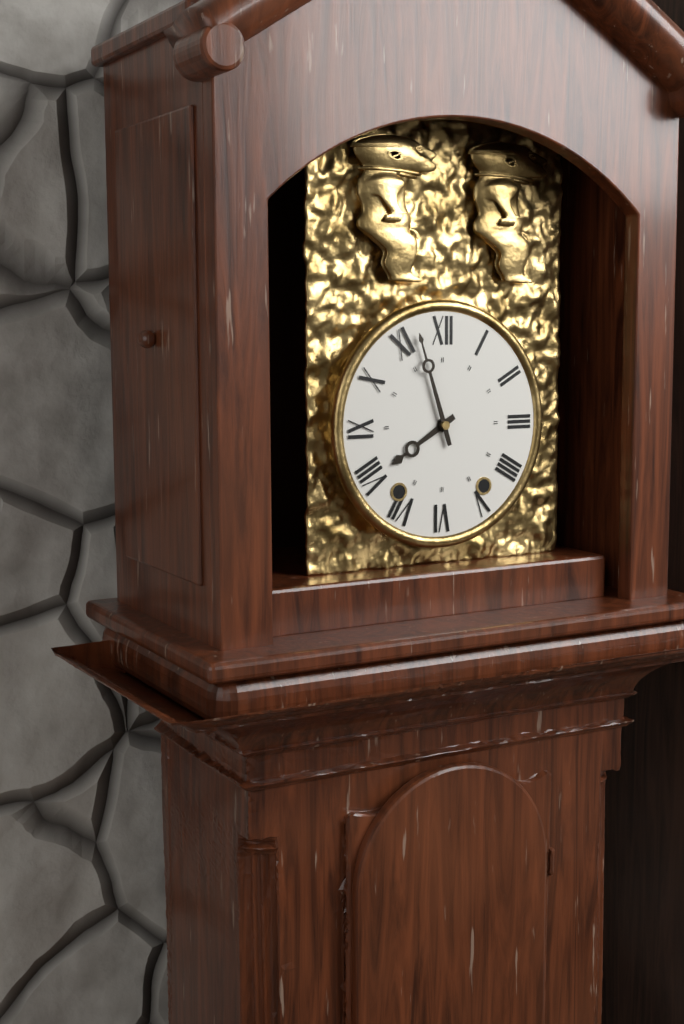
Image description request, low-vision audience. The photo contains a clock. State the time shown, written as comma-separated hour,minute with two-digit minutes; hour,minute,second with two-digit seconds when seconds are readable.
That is 7,57
